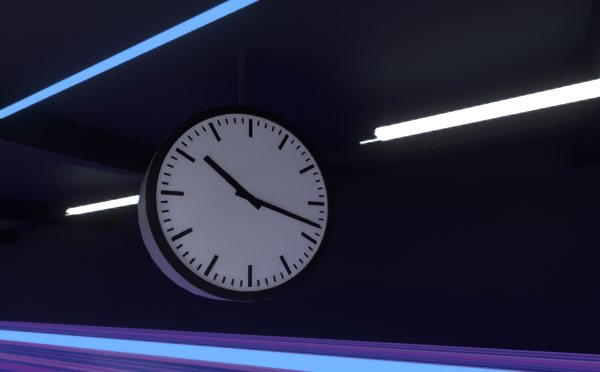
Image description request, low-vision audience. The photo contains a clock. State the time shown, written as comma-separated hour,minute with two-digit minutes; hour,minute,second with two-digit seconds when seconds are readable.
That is 10,18
